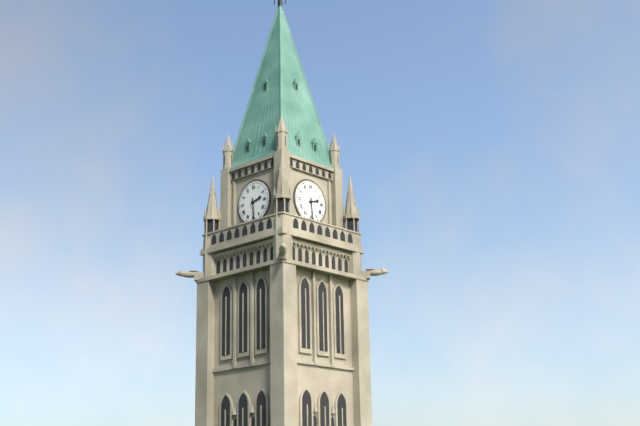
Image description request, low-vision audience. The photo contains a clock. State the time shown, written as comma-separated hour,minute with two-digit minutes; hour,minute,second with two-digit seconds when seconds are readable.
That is 2,29
